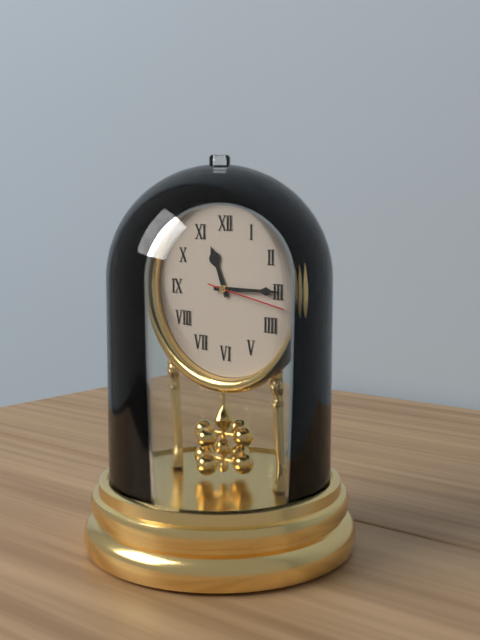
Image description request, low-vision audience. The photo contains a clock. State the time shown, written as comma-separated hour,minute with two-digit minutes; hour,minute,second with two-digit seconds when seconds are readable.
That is 11,15,17
